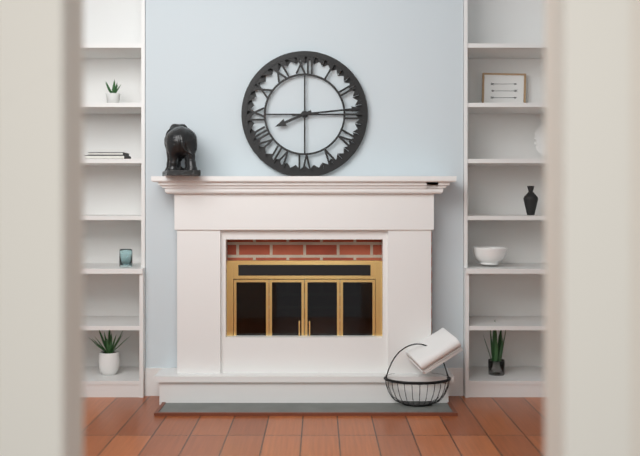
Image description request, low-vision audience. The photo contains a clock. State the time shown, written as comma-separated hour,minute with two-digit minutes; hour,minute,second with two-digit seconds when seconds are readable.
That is 8,14
